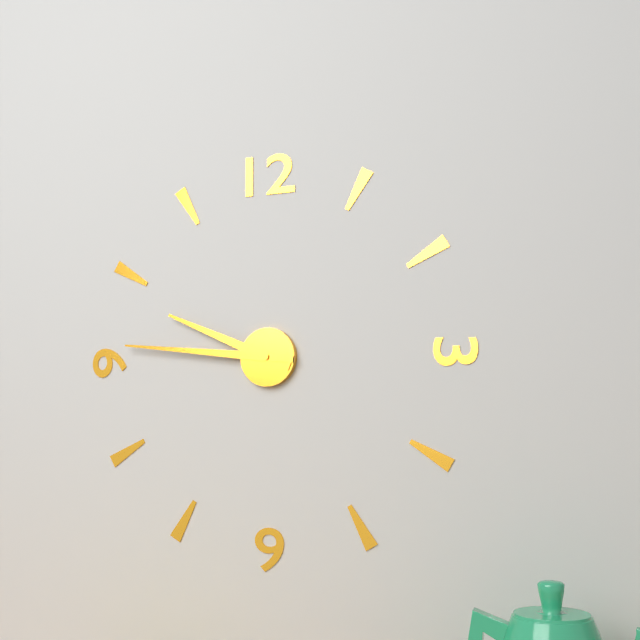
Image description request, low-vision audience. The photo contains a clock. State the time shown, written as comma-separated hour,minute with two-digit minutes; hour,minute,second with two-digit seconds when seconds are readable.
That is 9,46
